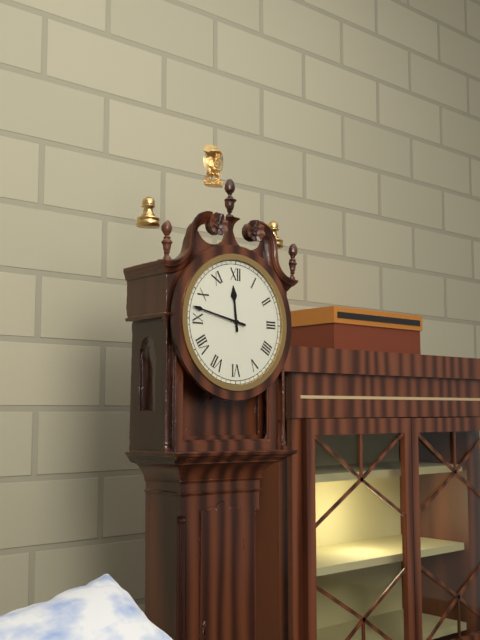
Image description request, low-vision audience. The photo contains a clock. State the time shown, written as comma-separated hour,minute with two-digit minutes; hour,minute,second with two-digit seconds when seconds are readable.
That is 11,47
